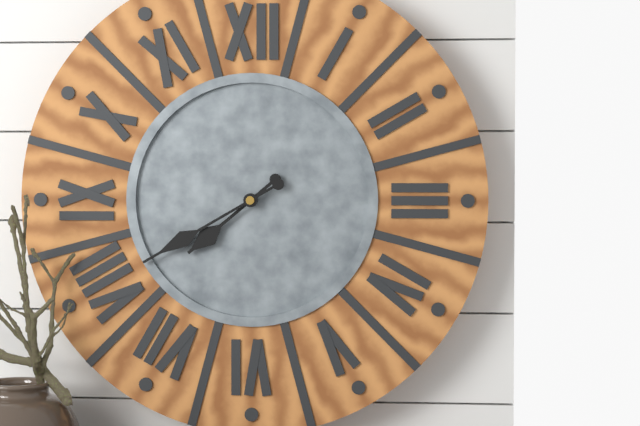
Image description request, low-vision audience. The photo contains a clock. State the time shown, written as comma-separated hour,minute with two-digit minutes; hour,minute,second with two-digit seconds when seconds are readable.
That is 7,40
